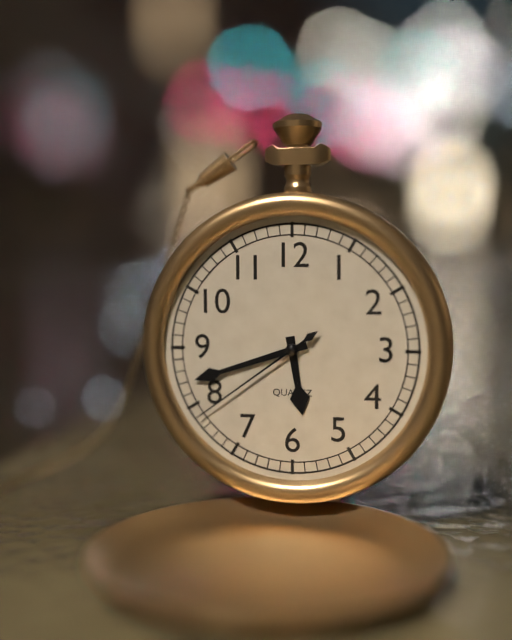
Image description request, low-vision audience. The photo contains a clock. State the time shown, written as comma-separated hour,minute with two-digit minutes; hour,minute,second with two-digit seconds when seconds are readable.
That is 5,42,39
